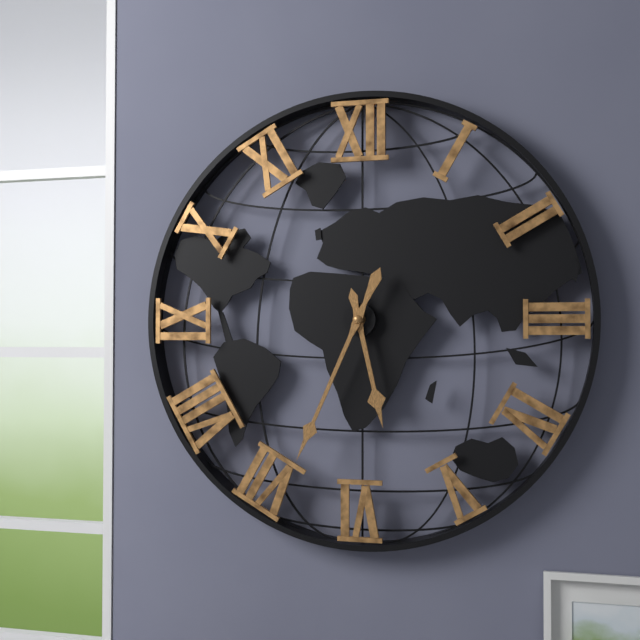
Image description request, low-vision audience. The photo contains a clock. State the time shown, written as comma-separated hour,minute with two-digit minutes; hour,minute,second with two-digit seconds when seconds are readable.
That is 5,34
